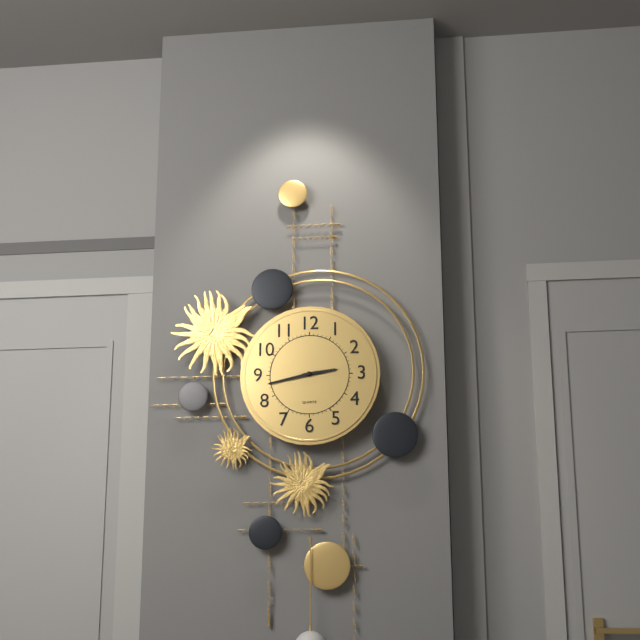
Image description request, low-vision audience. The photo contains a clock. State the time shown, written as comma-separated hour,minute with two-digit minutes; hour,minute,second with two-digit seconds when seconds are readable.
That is 2,43
